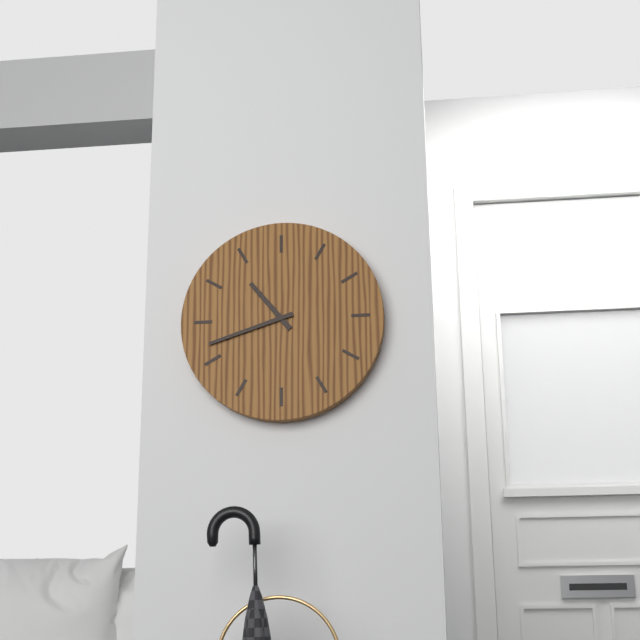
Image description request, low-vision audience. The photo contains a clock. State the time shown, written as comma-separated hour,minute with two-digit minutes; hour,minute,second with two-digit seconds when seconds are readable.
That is 10,42
